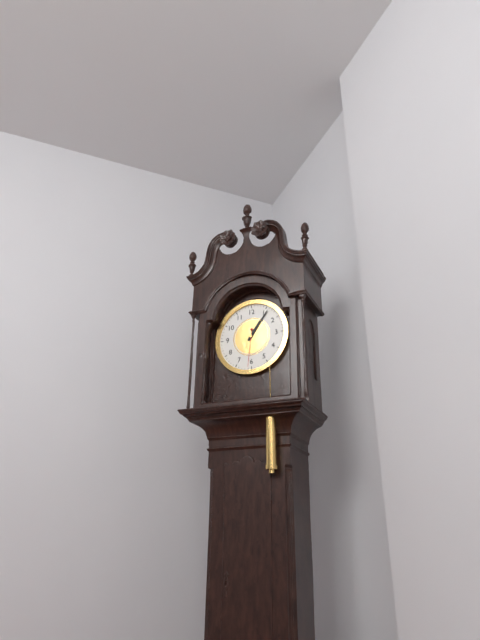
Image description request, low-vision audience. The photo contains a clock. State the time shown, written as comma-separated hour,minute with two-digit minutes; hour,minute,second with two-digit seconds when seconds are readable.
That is 1,06
